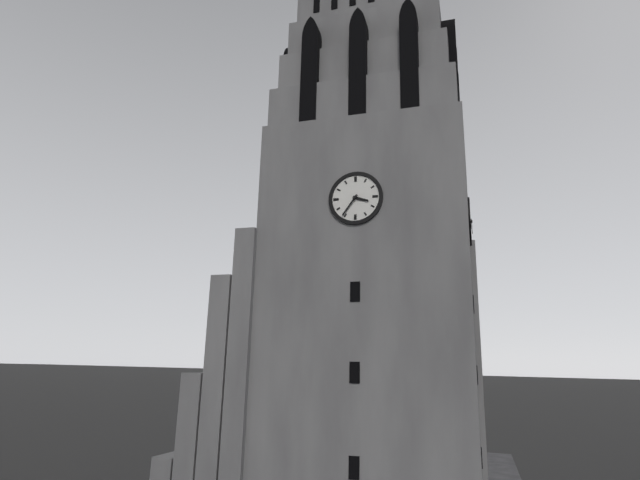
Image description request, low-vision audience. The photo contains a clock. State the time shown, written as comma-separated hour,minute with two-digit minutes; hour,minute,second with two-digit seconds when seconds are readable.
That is 3,36
